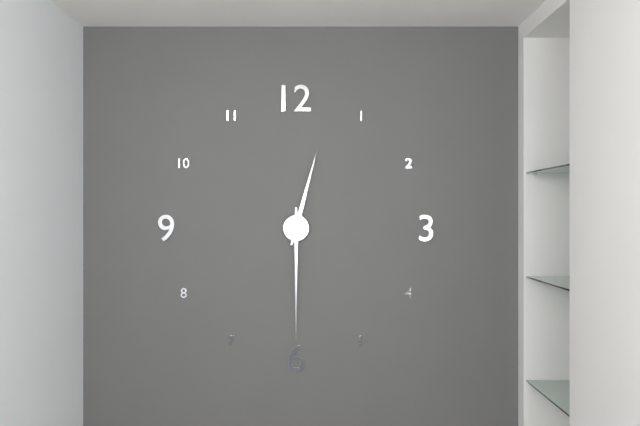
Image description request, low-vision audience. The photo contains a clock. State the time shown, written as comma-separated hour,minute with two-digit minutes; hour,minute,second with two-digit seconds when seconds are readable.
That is 12,30
